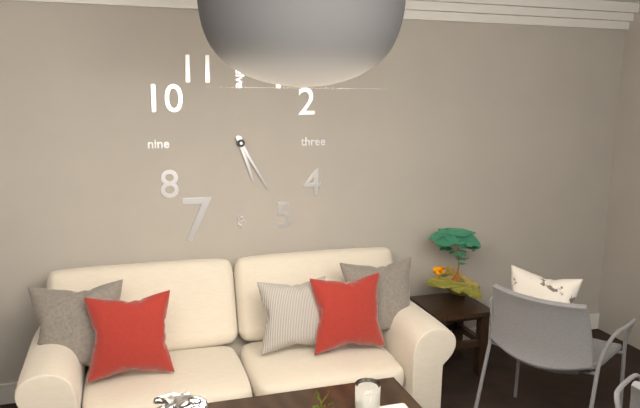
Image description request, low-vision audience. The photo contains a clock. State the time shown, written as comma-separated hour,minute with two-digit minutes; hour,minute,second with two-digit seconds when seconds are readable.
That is 5,25
